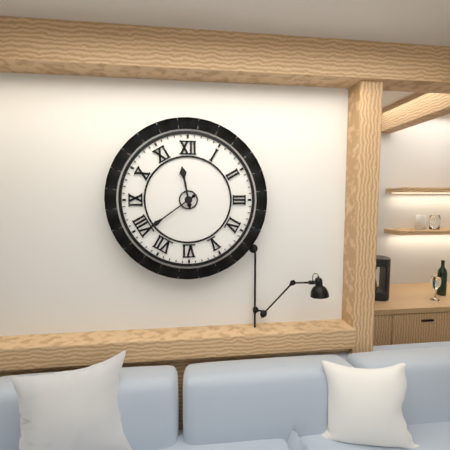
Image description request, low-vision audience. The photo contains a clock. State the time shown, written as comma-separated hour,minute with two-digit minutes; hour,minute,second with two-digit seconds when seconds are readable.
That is 11,39
